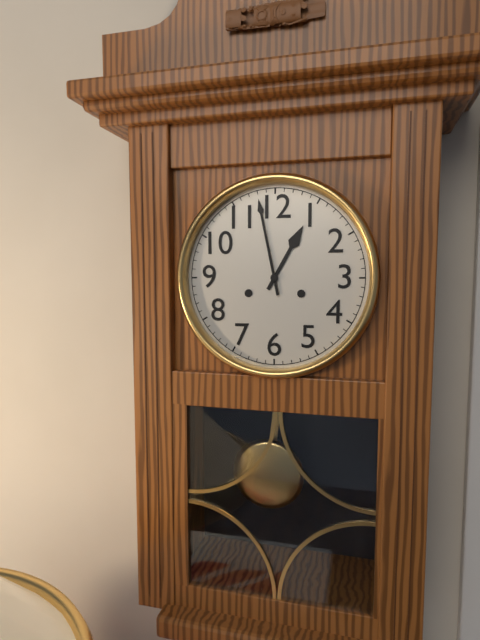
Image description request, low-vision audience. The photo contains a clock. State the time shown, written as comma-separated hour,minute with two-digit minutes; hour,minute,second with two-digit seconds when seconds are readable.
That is 12,58
